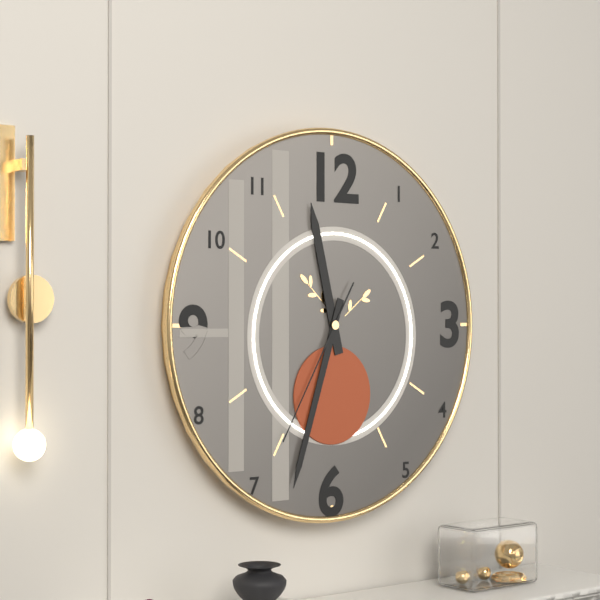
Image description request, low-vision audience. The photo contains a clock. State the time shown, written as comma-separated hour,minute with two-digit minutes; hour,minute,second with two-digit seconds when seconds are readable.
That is 11,33,35
